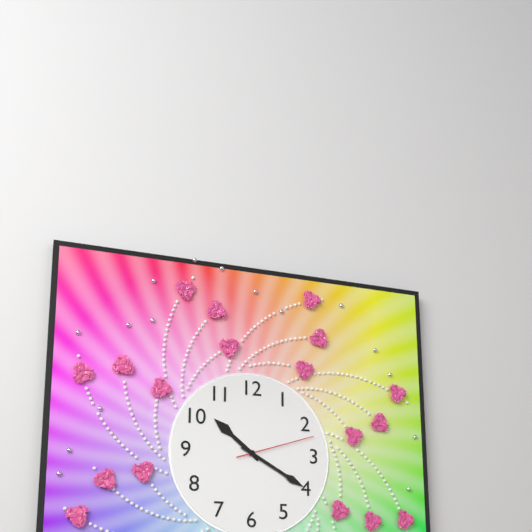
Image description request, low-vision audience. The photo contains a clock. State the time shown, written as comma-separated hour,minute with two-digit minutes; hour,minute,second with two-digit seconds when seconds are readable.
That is 10,20,12
